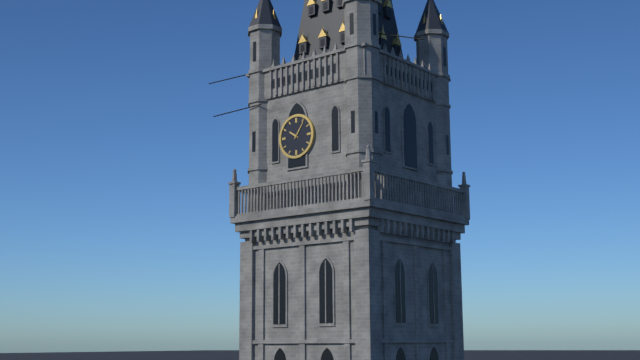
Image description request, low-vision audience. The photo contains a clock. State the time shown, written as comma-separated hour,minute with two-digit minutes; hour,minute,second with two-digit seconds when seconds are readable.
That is 10,06
